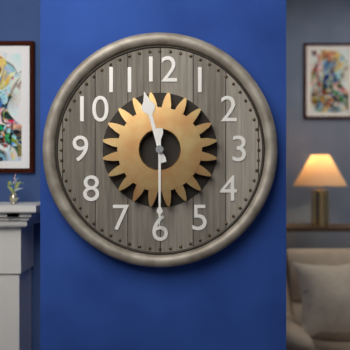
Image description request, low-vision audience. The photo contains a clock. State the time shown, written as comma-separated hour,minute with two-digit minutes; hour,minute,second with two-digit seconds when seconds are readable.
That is 11,30
